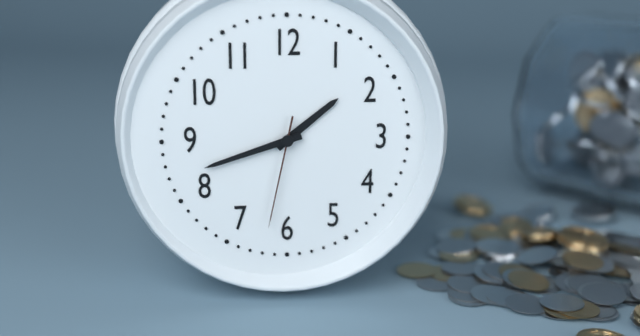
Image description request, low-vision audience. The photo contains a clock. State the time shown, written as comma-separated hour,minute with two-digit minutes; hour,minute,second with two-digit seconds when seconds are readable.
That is 1,42,32
